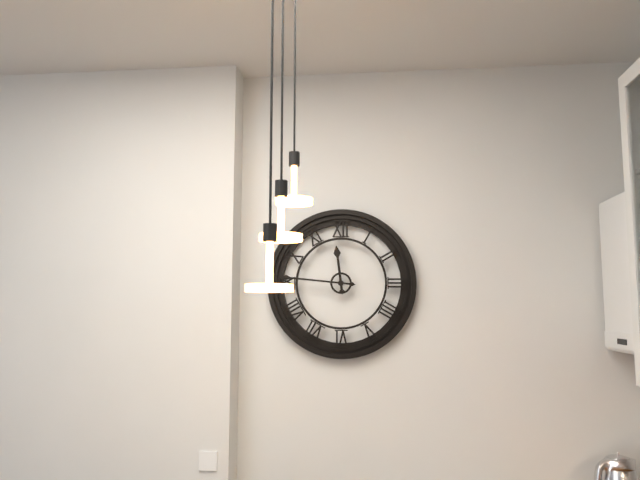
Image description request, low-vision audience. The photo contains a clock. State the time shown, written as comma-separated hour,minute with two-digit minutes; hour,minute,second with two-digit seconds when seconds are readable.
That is 11,46
